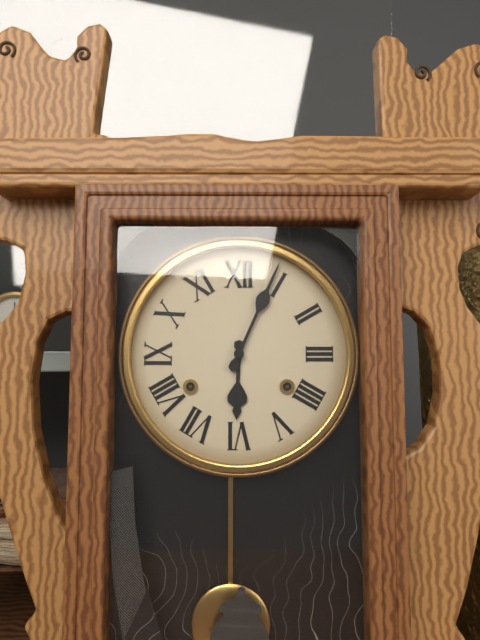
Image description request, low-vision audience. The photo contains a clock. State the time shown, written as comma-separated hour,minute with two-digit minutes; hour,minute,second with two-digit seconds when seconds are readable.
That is 6,04
